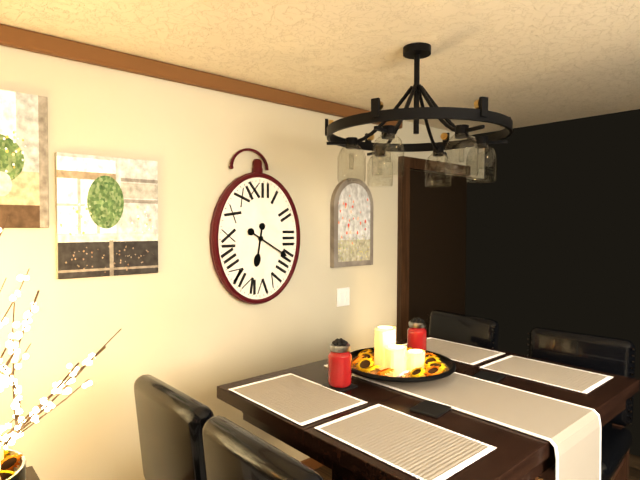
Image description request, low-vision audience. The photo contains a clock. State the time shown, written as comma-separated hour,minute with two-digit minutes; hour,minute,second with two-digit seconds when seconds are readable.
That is 6,20
